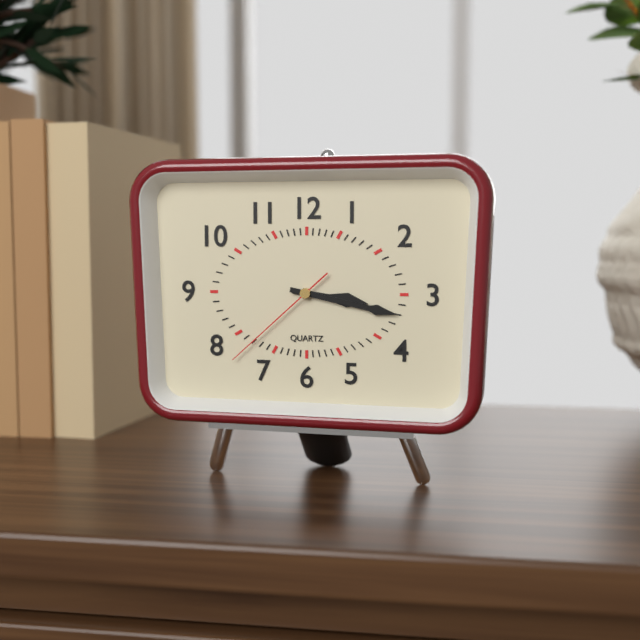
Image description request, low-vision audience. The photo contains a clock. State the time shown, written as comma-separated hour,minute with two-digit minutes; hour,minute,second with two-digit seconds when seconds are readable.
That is 3,17,38
